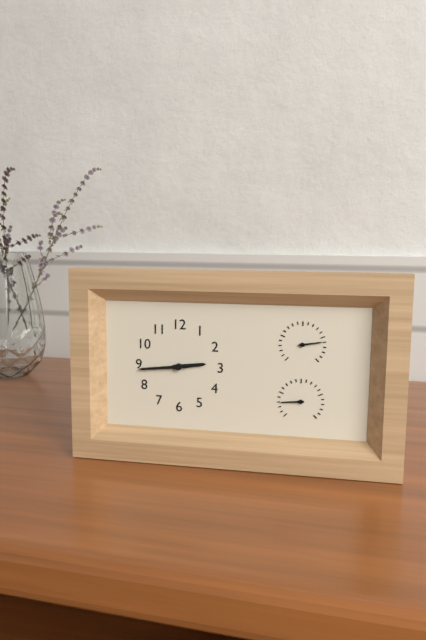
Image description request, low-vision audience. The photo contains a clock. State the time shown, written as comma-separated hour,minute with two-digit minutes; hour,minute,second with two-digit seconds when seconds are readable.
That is 2,44
